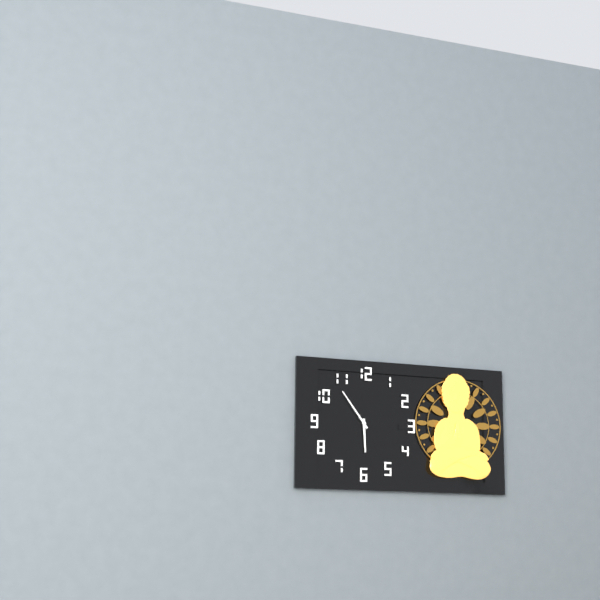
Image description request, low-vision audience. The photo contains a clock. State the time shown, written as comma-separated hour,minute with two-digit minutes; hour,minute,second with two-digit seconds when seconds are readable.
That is 5,54
